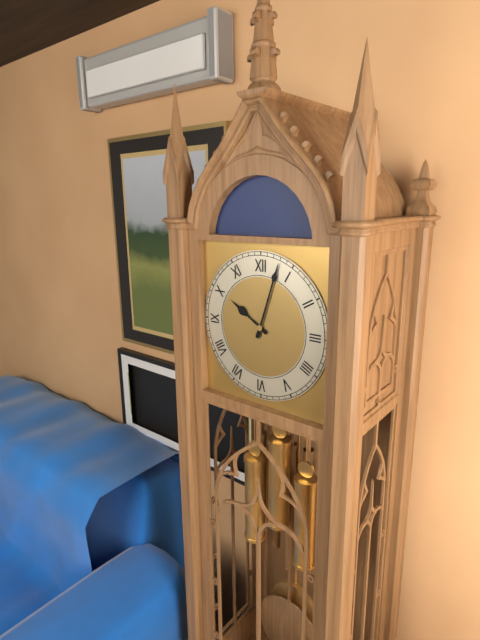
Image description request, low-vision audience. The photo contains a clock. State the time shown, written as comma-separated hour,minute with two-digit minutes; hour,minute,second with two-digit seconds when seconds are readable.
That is 10,03
